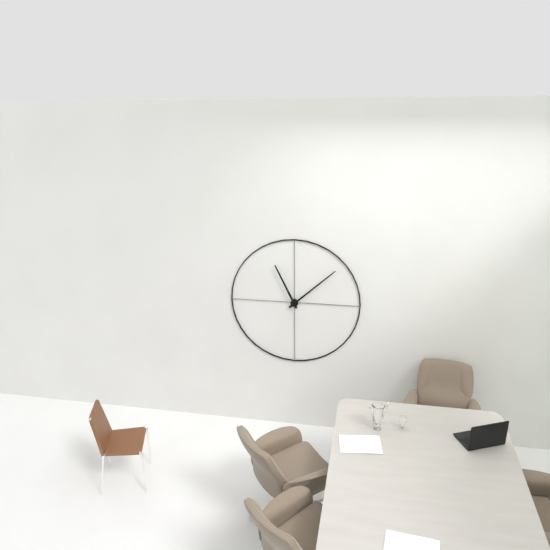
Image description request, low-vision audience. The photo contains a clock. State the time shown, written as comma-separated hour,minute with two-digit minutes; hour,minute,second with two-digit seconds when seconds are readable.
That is 11,08
